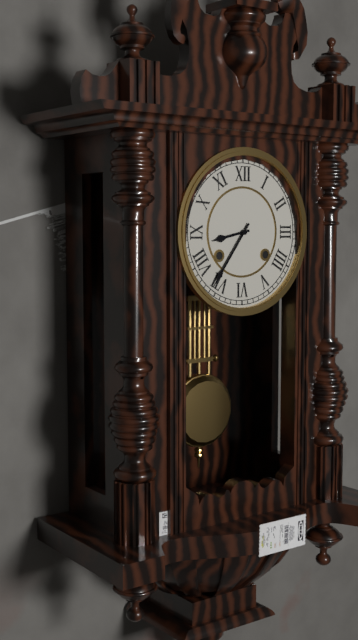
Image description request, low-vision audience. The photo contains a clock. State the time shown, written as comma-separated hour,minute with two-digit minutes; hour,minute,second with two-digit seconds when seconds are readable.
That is 8,36
